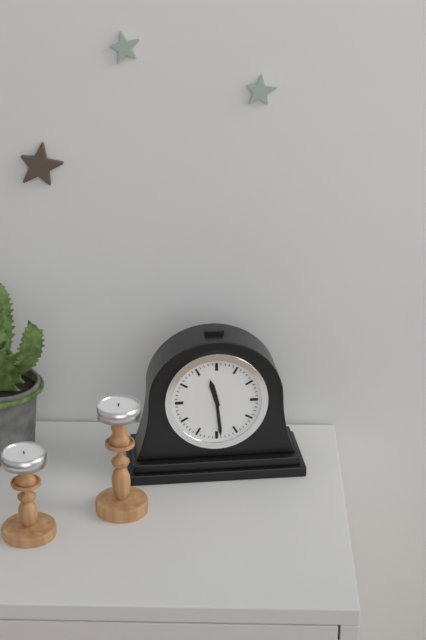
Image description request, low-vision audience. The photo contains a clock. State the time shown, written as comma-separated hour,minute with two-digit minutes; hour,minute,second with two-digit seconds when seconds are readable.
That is 11,29
